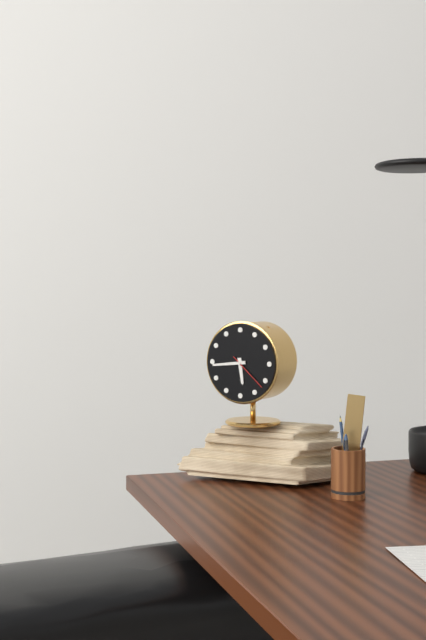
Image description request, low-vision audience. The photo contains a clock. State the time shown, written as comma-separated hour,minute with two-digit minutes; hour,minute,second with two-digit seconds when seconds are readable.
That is 5,44
